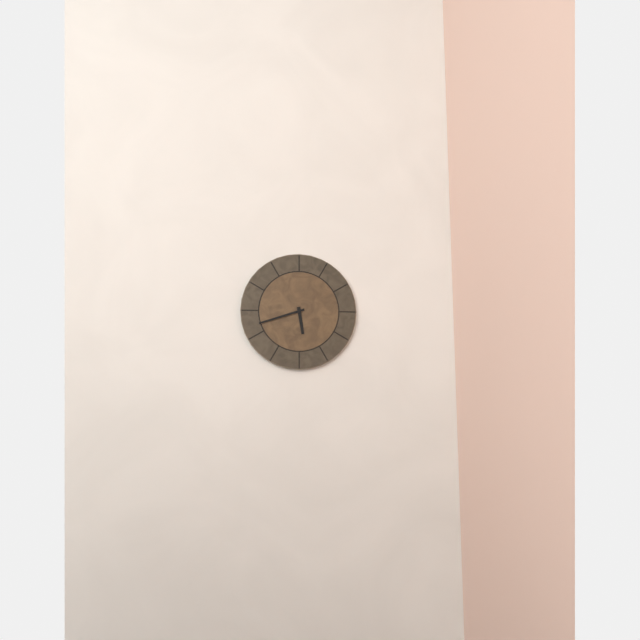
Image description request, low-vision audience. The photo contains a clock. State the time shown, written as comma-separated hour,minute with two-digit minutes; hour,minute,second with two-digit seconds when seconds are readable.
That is 5,42
